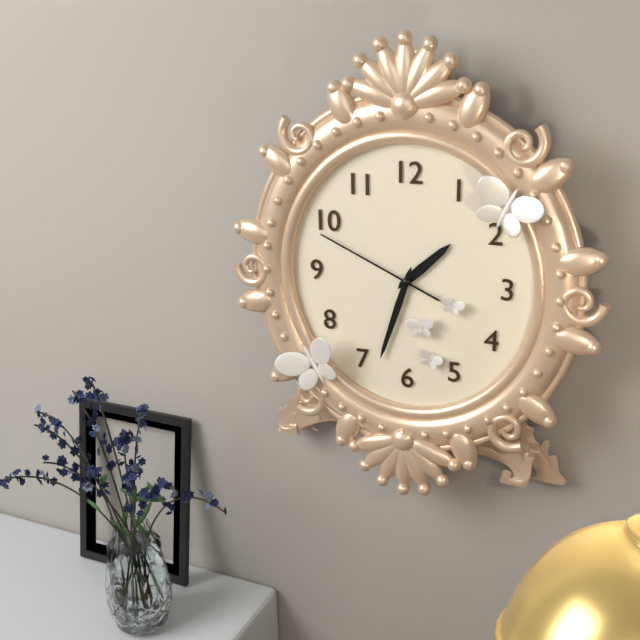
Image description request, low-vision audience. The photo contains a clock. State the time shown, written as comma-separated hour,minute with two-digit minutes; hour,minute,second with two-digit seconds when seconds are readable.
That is 1,33,49
